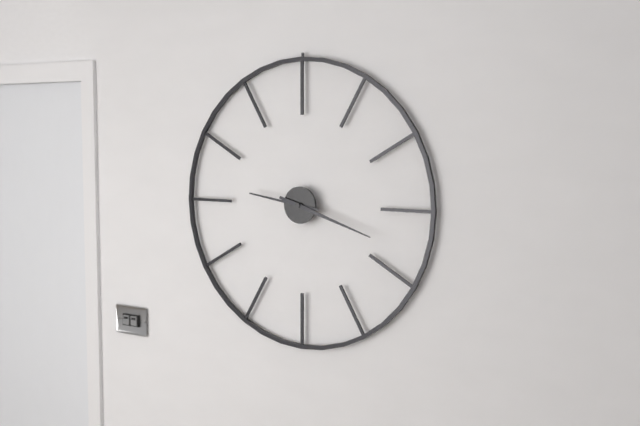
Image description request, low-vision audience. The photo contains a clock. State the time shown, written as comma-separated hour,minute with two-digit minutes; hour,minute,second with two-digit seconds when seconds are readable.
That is 9,18
